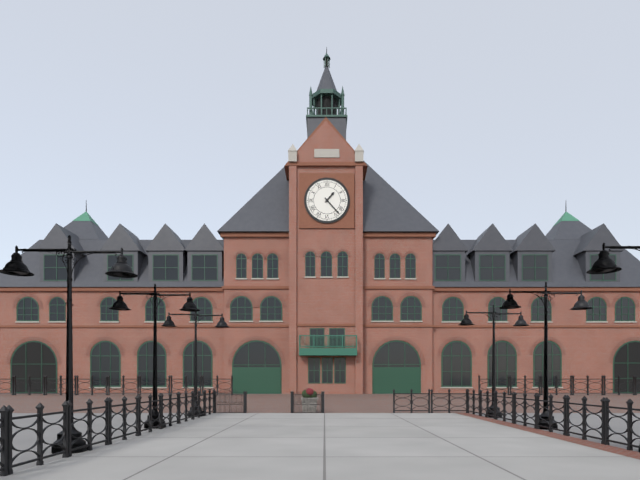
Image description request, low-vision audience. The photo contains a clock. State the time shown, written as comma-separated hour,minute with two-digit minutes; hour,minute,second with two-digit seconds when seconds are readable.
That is 1,23
